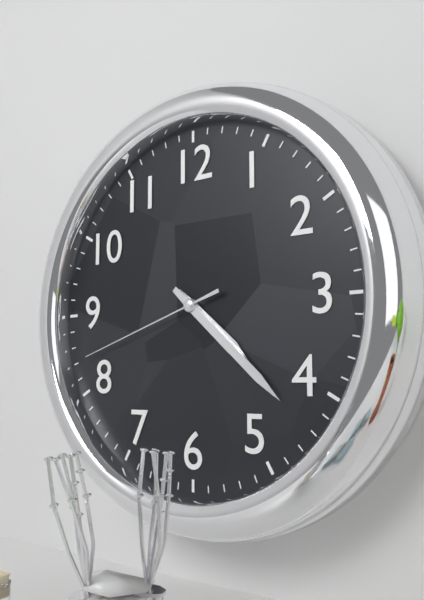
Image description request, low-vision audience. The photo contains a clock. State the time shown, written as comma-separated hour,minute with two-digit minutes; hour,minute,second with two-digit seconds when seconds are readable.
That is 4,22,42
